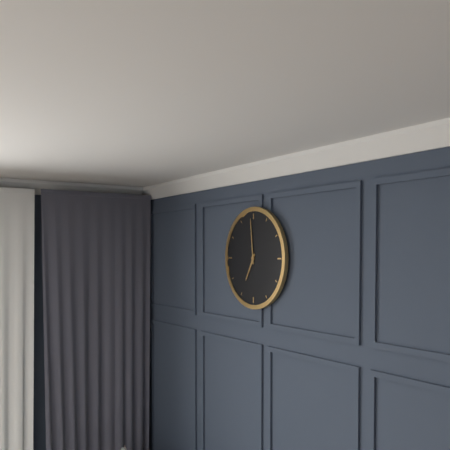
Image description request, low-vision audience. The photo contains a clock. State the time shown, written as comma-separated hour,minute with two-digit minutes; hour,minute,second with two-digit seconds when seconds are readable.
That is 6,59
